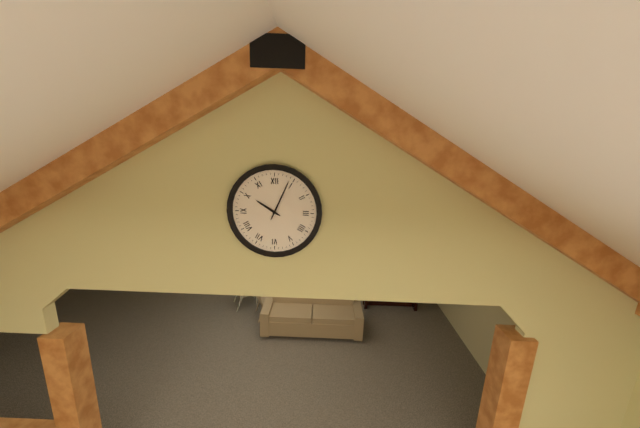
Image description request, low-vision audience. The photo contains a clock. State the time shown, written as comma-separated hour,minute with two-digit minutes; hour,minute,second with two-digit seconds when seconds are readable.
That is 10,04
